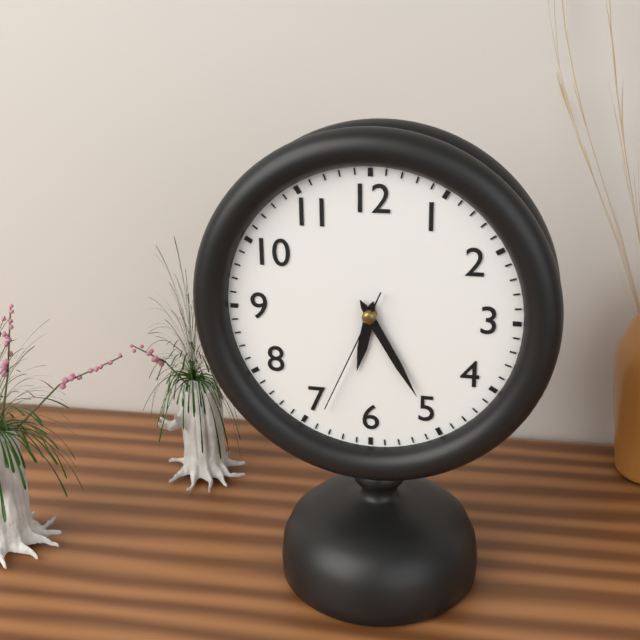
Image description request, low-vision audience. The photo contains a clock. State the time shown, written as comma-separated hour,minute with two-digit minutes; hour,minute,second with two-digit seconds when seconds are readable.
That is 6,25,34
